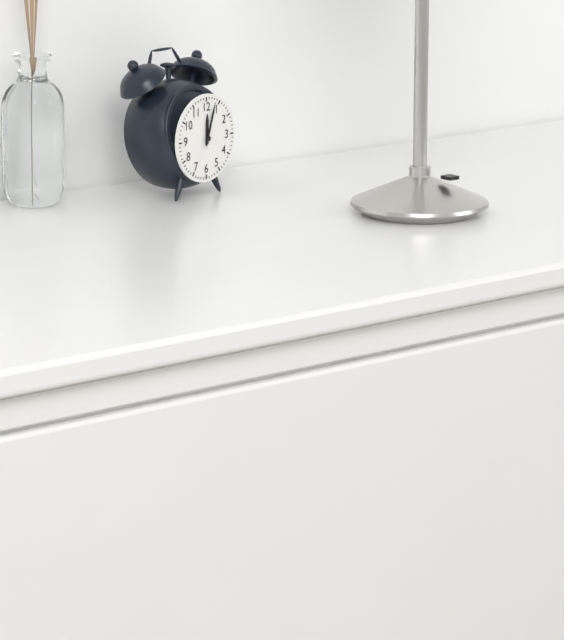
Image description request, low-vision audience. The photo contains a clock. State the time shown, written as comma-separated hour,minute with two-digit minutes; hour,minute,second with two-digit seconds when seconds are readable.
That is 12,03
